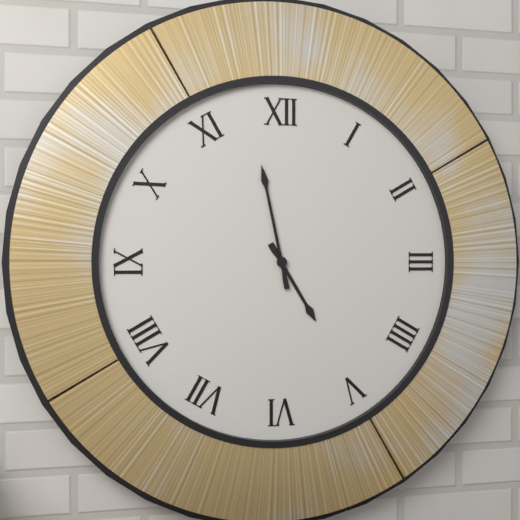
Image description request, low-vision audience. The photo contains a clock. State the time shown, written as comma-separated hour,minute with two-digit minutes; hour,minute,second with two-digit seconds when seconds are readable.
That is 4,58
